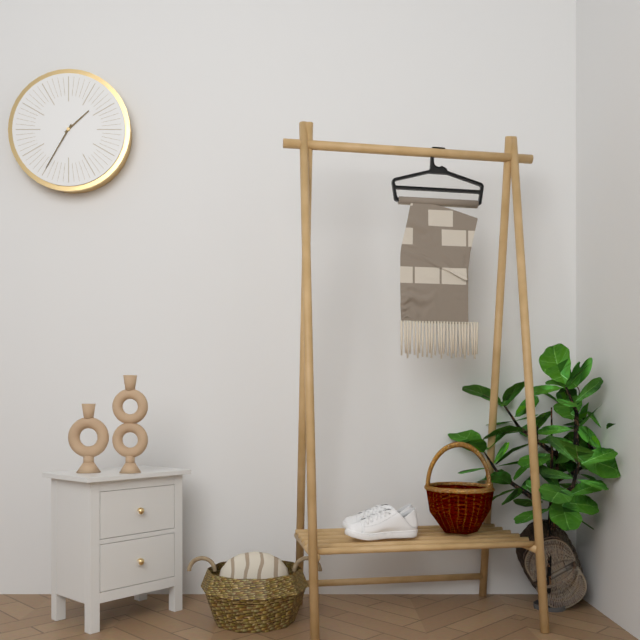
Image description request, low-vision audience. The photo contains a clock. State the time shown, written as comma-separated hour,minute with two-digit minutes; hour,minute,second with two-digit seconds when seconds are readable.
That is 1,35
